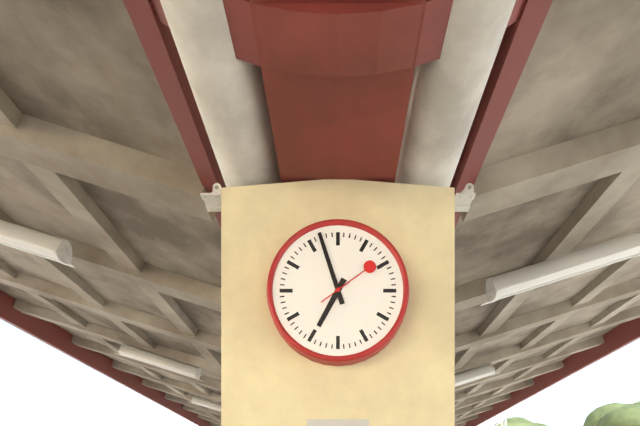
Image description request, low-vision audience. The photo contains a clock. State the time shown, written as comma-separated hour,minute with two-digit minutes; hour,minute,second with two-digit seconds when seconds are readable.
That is 6,57,09
